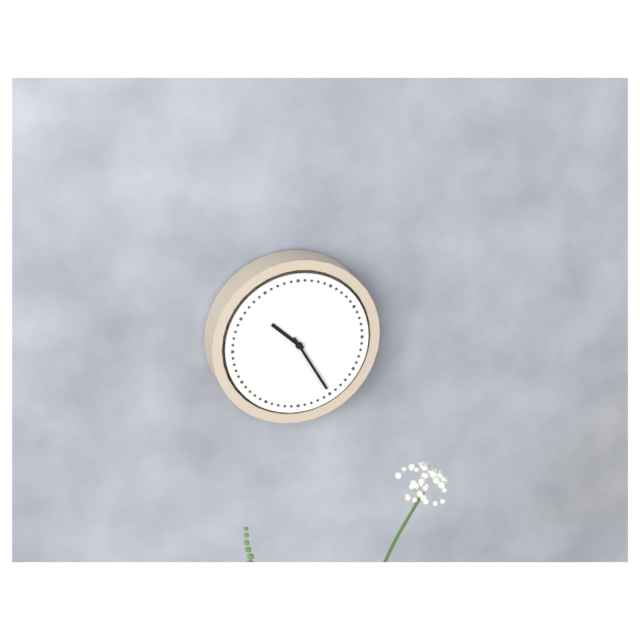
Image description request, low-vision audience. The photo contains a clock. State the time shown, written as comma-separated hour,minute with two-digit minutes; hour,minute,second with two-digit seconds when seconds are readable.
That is 10,25
